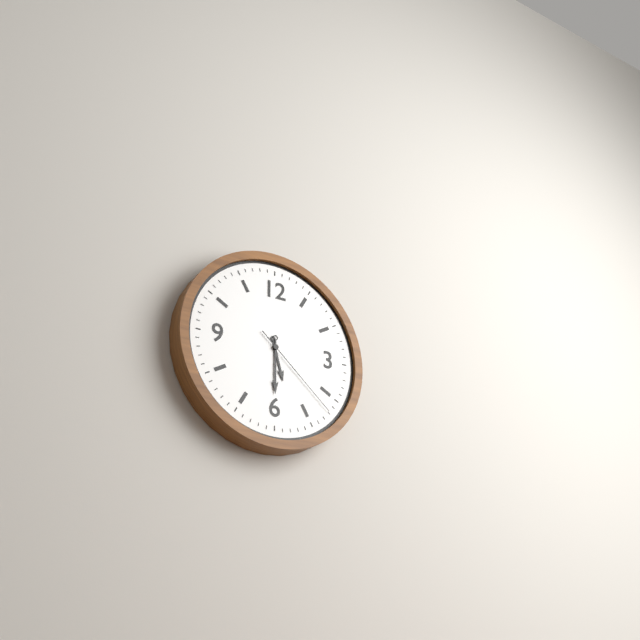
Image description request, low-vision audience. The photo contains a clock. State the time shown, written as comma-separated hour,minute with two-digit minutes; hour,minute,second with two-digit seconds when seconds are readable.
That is 5,30,22
